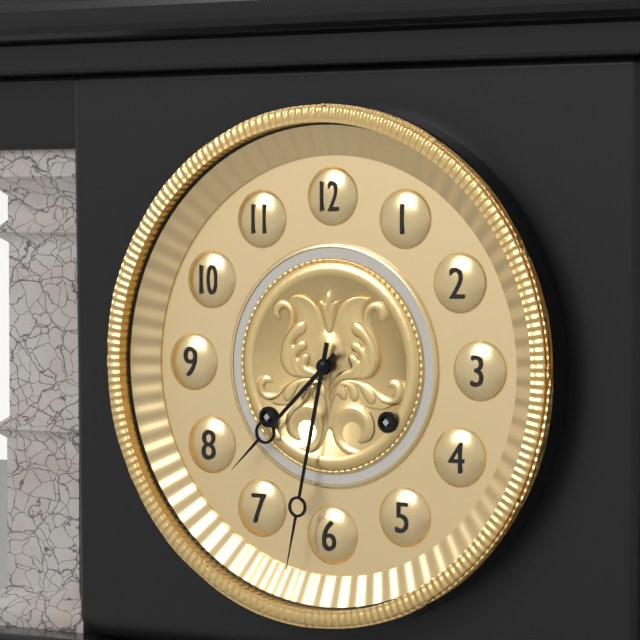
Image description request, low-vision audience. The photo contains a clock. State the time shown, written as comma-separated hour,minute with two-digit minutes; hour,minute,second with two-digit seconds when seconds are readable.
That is 7,32
